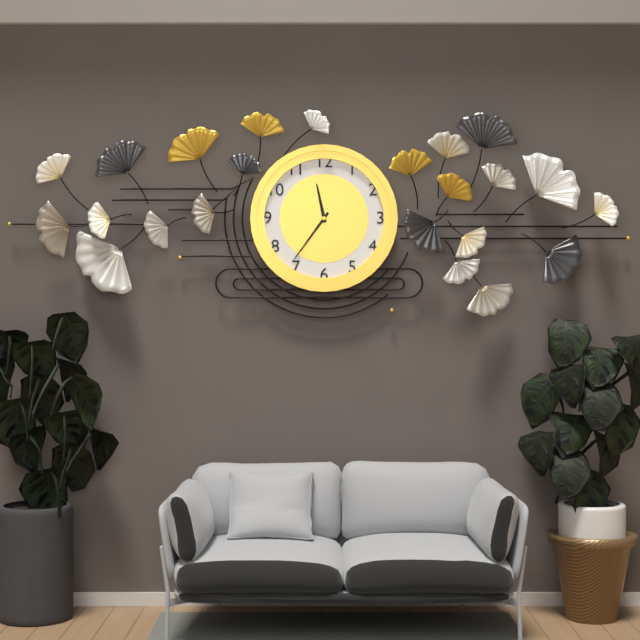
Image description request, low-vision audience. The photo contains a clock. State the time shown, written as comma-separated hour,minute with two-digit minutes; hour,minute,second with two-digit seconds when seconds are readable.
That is 11,36
